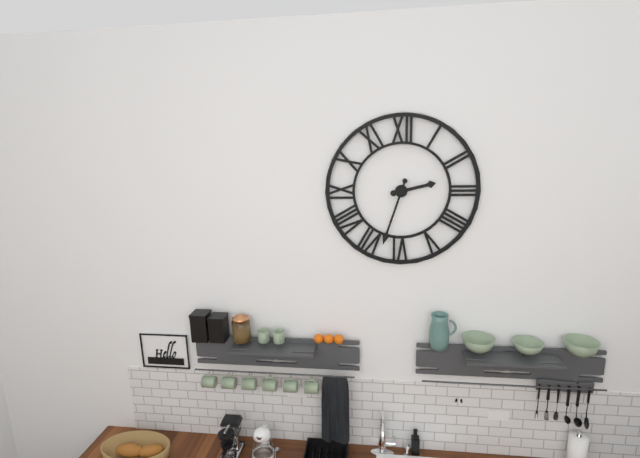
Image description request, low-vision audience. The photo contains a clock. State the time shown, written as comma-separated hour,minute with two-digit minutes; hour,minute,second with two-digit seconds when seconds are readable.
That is 2,33
